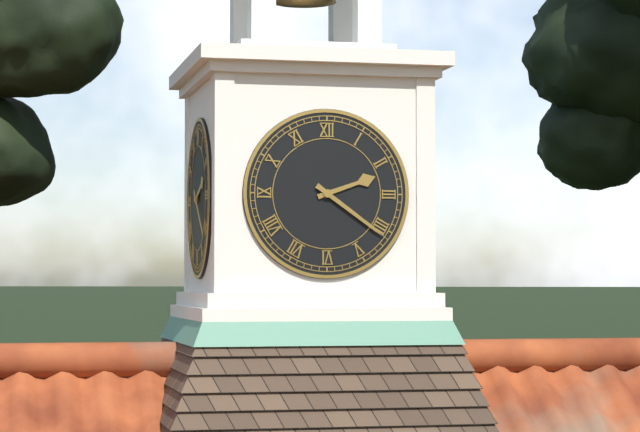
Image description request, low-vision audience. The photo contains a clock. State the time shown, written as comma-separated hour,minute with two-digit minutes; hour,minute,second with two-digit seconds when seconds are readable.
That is 2,21
